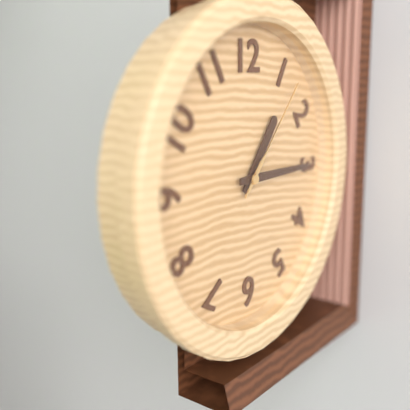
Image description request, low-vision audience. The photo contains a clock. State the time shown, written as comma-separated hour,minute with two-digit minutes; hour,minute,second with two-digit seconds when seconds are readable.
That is 1,15,07
